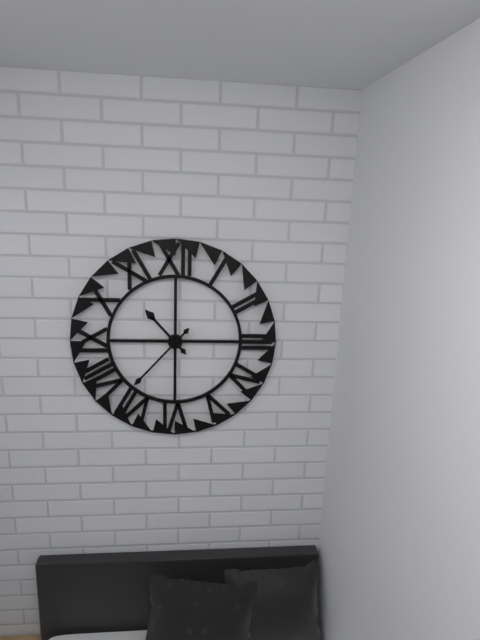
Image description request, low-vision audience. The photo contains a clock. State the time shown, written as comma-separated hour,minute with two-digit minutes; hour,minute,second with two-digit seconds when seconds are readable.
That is 10,37
